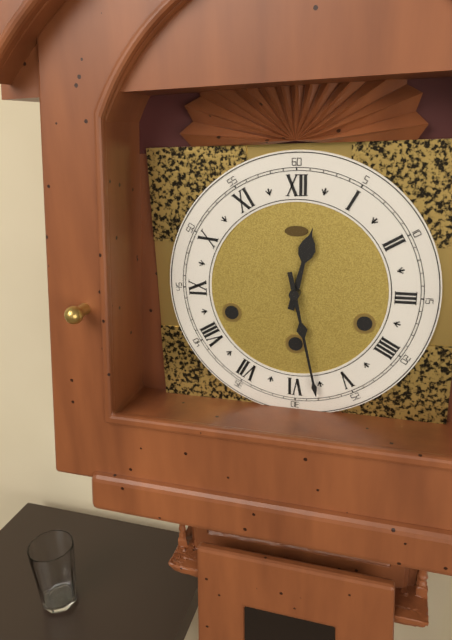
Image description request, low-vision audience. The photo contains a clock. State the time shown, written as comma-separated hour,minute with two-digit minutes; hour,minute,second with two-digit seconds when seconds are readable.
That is 12,28
